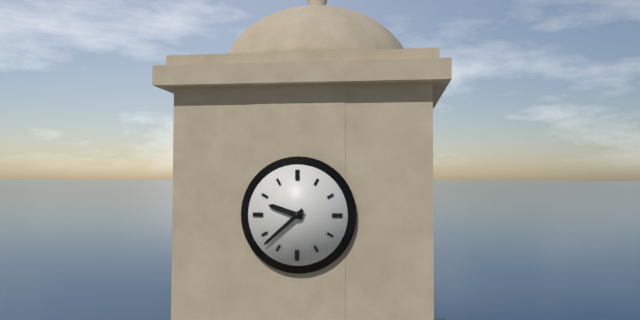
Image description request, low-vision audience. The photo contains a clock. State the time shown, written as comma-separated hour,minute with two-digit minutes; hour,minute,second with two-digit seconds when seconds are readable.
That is 9,38
